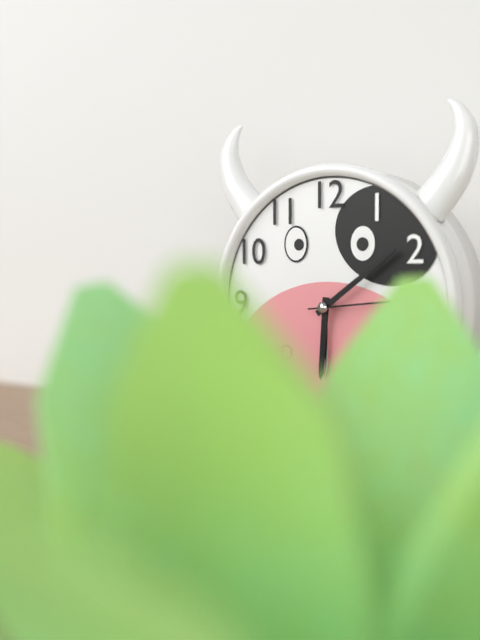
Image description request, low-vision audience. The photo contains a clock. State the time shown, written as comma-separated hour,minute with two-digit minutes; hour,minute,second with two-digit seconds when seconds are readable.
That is 6,09,14
